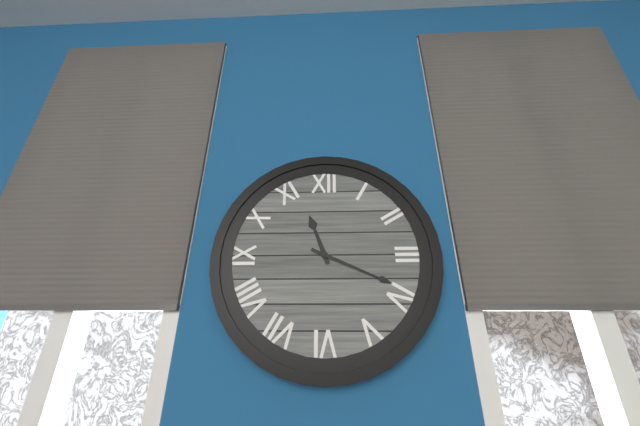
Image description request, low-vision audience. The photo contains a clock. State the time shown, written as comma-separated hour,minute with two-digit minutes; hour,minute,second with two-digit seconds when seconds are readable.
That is 11,19
